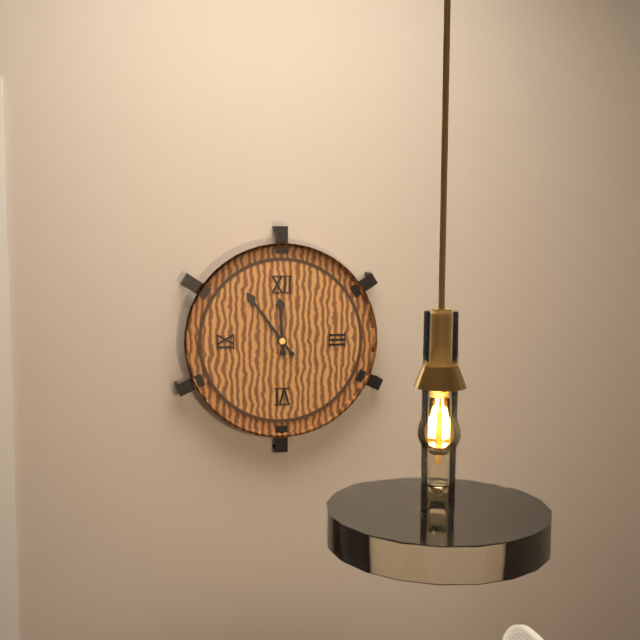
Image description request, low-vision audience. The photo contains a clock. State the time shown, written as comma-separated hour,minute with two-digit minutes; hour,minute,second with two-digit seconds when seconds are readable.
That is 11,54
